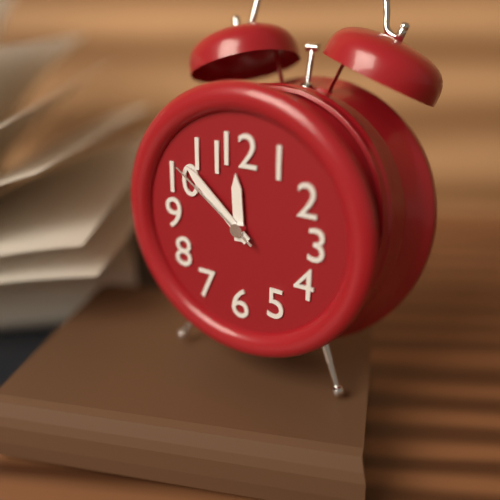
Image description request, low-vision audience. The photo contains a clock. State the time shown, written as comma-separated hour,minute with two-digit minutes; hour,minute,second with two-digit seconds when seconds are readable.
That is 11,52,51
